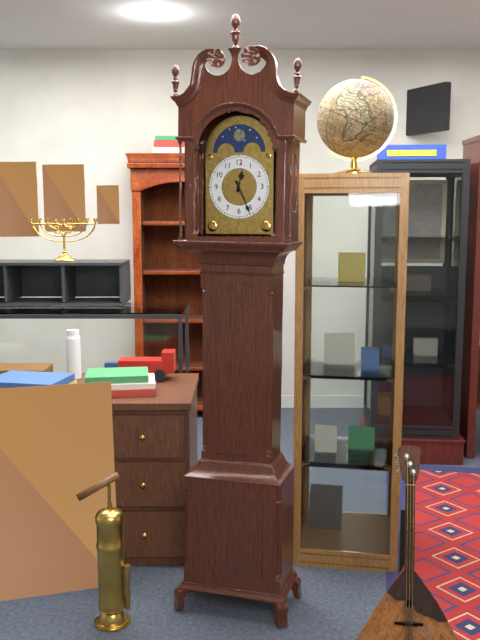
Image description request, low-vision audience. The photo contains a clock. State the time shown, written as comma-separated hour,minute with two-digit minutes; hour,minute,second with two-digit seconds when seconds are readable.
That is 12,26
